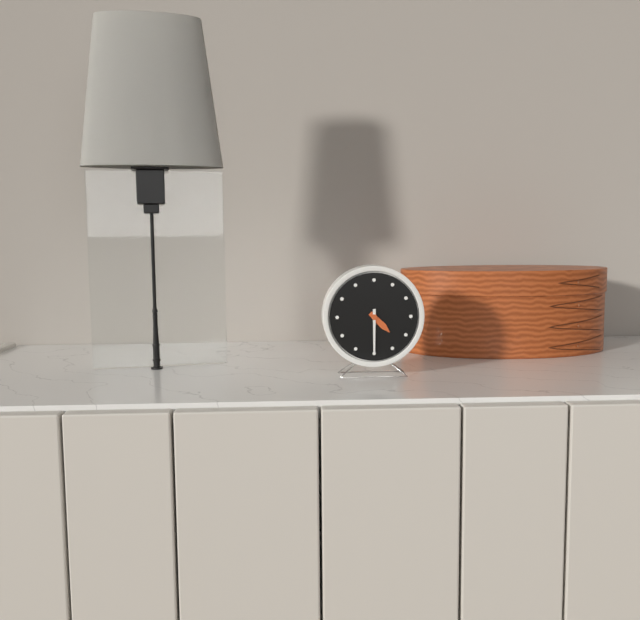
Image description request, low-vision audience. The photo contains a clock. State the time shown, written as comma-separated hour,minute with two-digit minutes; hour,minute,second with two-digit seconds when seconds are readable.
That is 4,30
